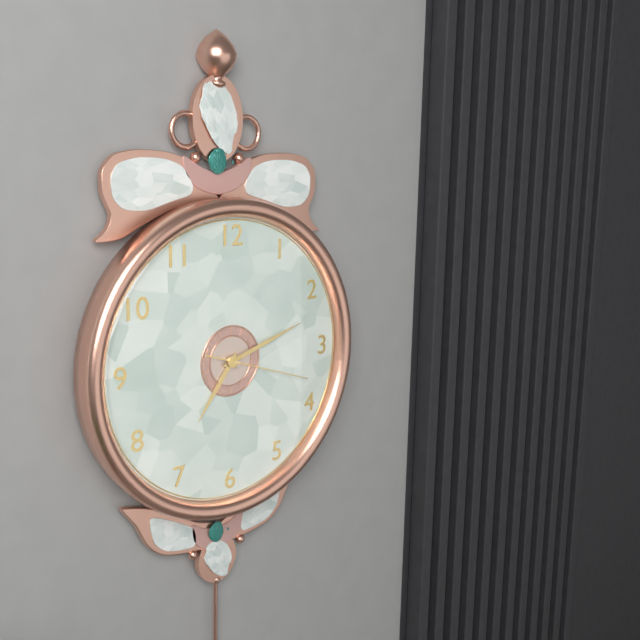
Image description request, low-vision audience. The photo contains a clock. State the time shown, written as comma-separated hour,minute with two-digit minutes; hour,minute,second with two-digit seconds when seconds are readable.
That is 7,12,18
